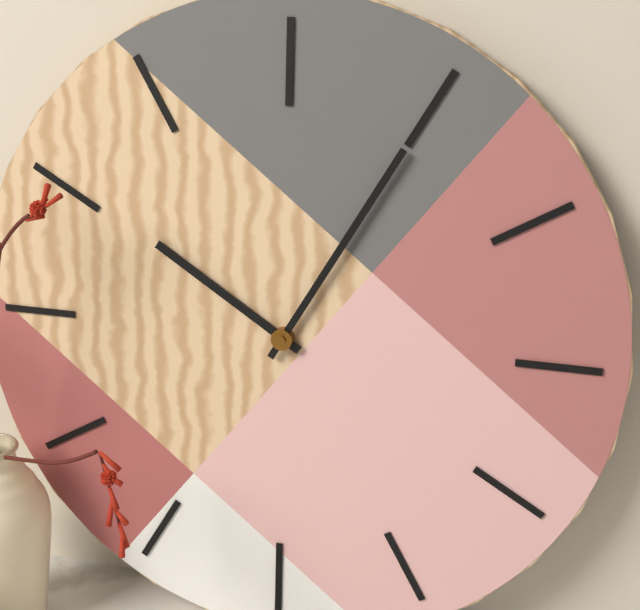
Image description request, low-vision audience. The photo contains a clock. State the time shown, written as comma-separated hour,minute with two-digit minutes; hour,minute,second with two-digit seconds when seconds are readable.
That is 10,05
